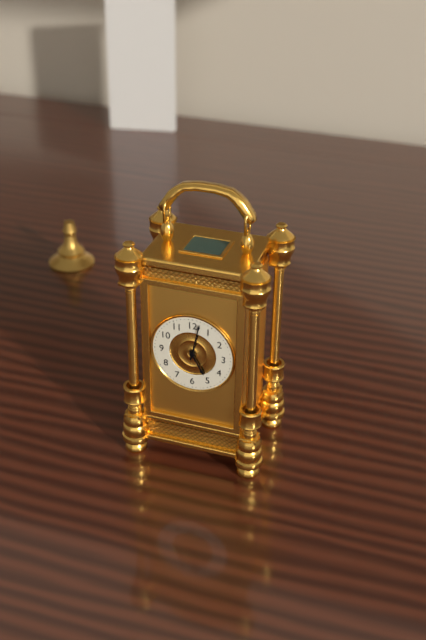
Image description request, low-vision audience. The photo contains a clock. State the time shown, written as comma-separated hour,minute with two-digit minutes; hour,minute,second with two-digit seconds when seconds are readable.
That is 5,02
